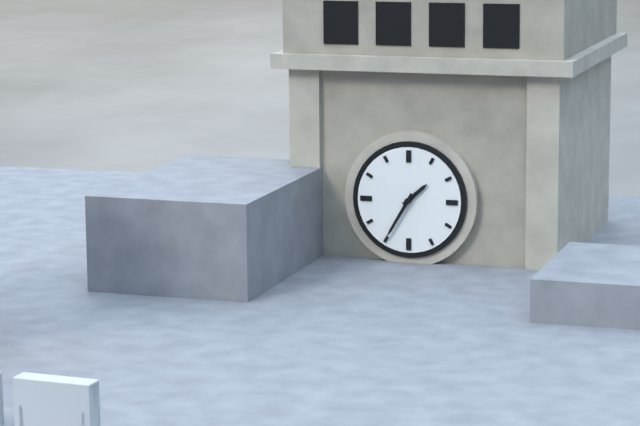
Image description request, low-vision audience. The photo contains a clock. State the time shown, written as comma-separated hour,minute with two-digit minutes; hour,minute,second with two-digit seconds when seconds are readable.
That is 1,35
